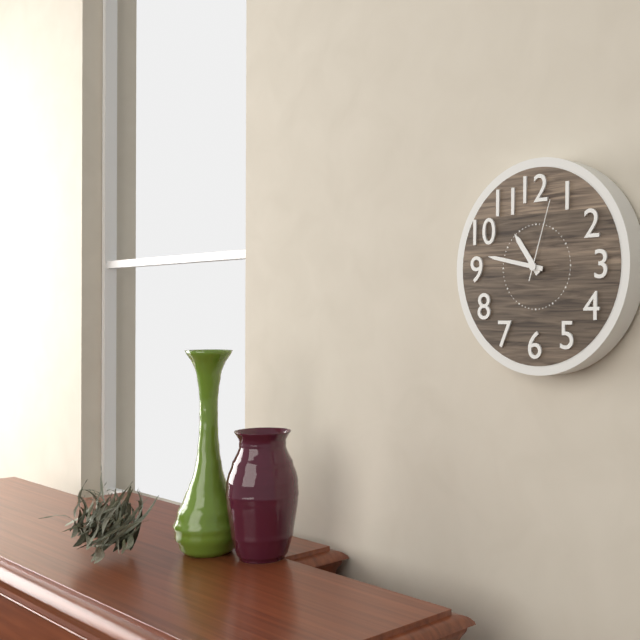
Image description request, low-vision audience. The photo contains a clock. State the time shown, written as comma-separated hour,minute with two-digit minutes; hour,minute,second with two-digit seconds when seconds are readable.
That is 10,47,03
